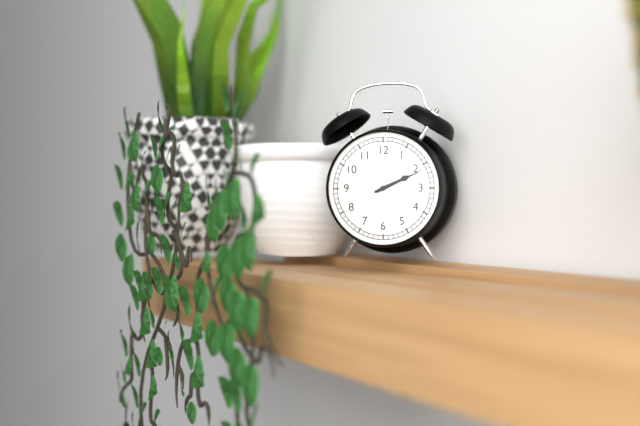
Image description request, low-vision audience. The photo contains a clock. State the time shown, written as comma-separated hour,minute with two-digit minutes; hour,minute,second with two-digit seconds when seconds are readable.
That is 2,11
